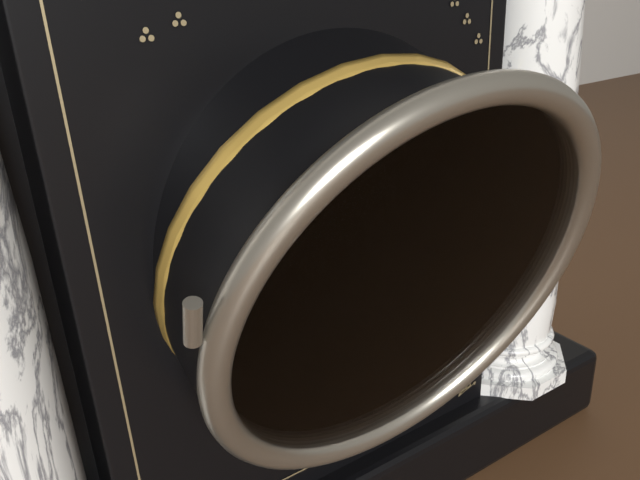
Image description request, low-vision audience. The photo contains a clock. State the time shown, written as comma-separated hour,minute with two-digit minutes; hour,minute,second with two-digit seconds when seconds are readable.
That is 5,00
